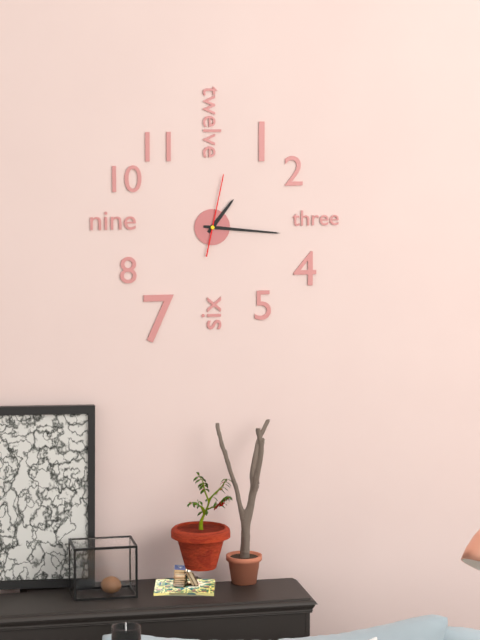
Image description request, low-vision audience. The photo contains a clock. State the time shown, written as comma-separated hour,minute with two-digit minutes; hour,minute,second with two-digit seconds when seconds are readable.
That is 1,16,02
